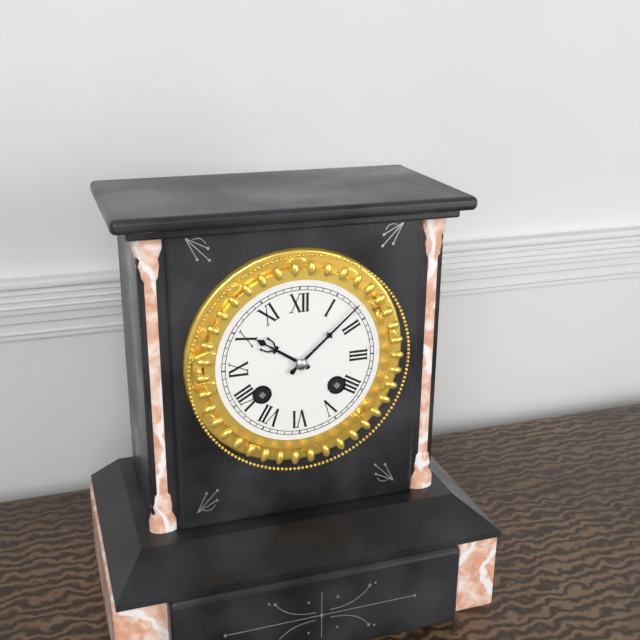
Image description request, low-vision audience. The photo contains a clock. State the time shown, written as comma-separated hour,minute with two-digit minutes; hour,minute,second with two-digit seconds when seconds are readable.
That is 10,08
